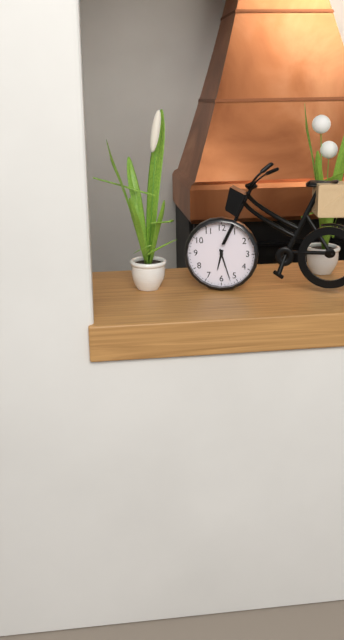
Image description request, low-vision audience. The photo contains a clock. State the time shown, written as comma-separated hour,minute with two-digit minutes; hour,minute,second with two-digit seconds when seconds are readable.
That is 6,27
